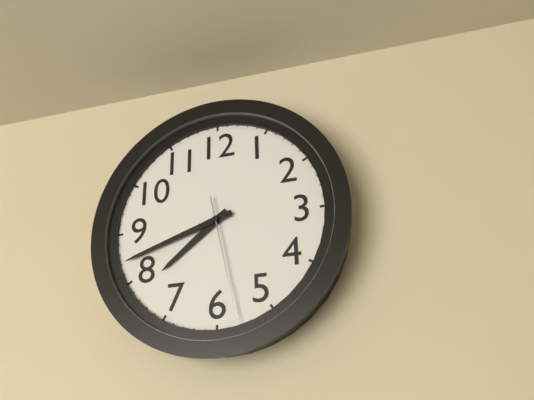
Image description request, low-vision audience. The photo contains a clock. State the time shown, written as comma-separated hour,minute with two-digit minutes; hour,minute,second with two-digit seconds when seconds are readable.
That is 7,42,28
